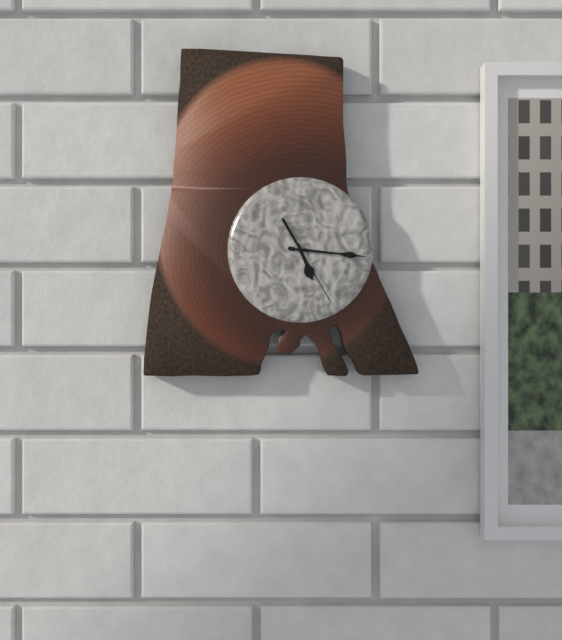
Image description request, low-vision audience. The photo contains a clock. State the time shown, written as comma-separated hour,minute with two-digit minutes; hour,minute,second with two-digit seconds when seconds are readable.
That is 5,16,25
